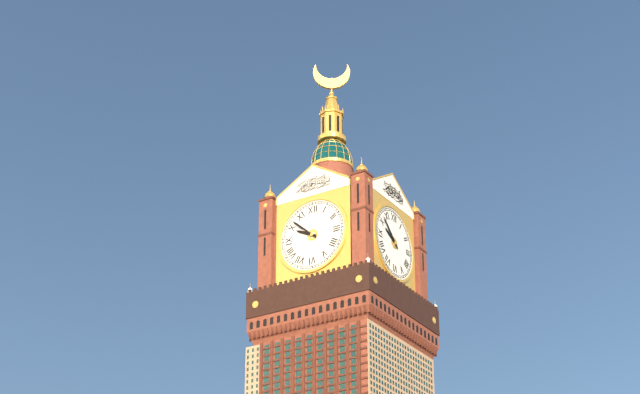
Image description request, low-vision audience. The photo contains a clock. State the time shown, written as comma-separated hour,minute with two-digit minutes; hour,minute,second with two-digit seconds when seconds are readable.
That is 9,52
